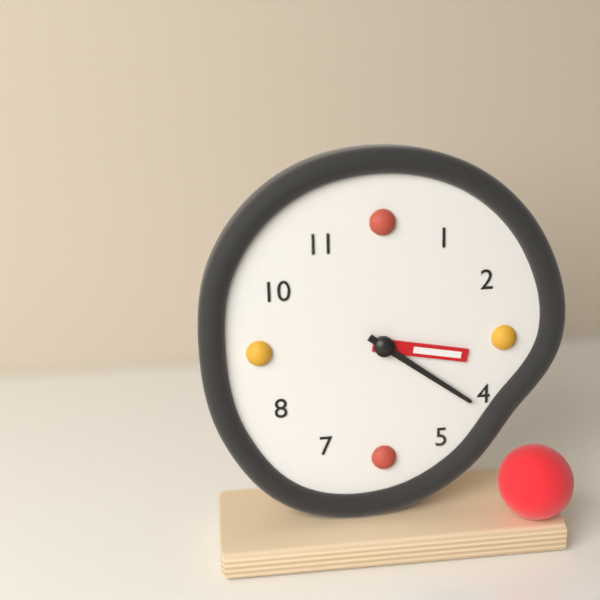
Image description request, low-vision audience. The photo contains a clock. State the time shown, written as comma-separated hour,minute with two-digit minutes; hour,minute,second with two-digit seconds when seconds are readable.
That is 3,21
